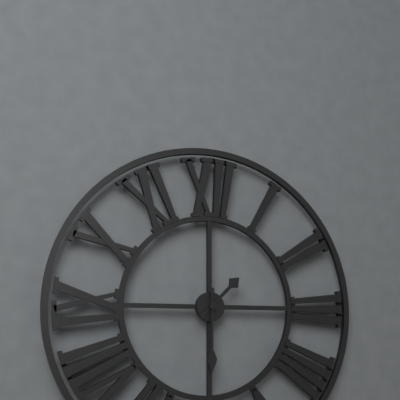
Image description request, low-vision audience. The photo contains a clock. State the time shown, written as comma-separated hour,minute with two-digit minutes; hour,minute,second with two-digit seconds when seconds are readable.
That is 1,30
